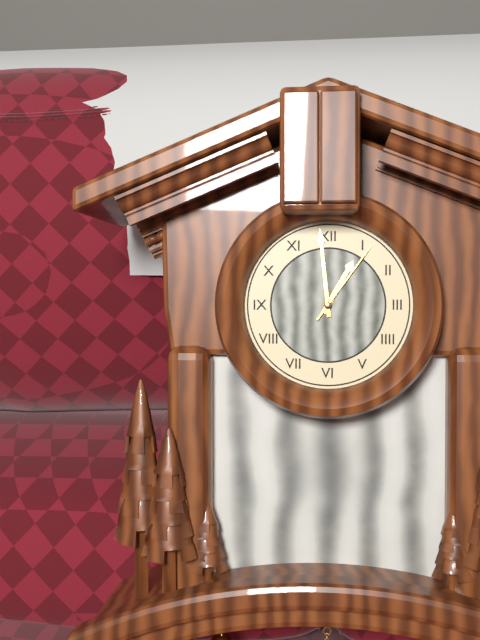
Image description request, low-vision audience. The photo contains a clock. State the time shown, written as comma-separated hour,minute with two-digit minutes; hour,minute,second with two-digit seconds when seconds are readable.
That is 12,59,06
